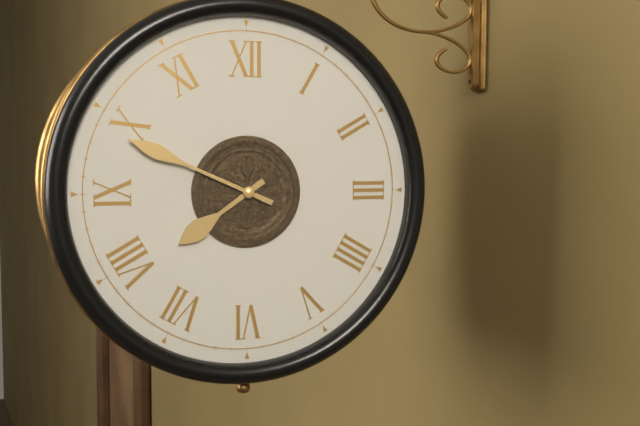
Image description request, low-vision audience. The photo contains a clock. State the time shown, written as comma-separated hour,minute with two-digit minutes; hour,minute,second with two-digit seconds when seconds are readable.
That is 7,49
